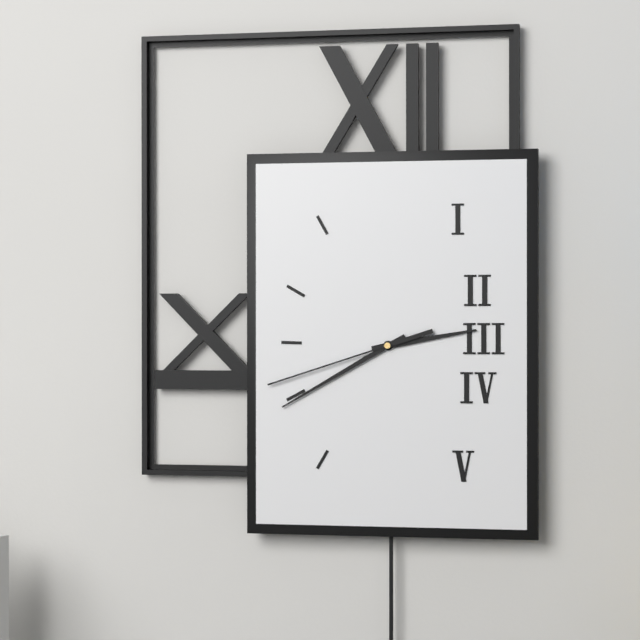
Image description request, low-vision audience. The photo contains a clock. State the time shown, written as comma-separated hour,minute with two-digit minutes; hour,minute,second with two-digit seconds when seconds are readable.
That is 2,40,42
